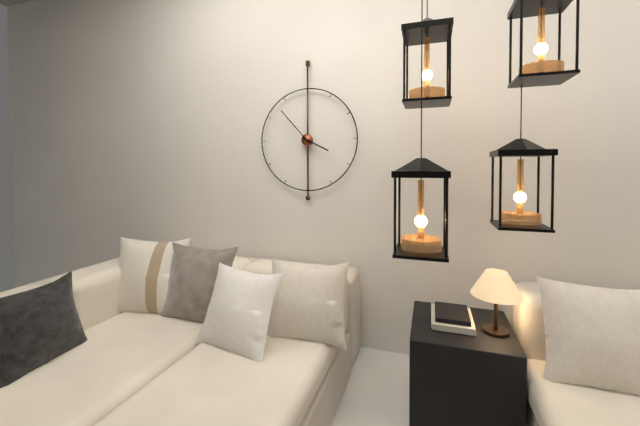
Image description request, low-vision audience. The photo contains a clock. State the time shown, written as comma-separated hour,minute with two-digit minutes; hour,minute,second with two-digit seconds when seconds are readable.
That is 3,53
